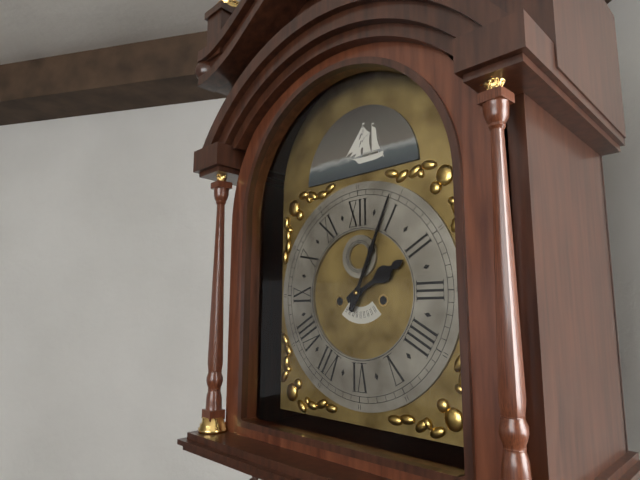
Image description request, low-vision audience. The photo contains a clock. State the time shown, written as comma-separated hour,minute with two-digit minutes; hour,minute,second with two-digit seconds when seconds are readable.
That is 2,04
